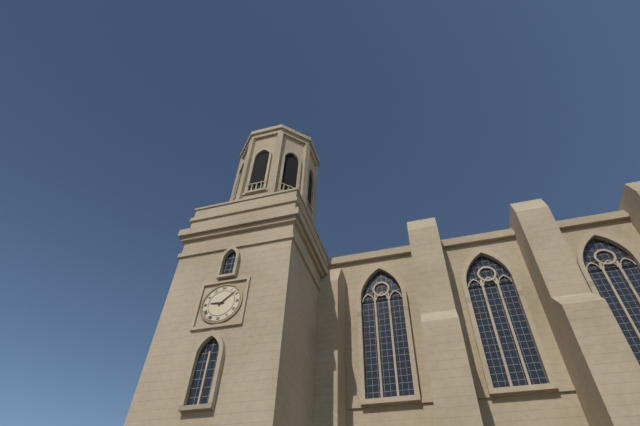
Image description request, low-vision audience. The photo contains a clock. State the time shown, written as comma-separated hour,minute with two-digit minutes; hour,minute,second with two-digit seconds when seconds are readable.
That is 9,08
